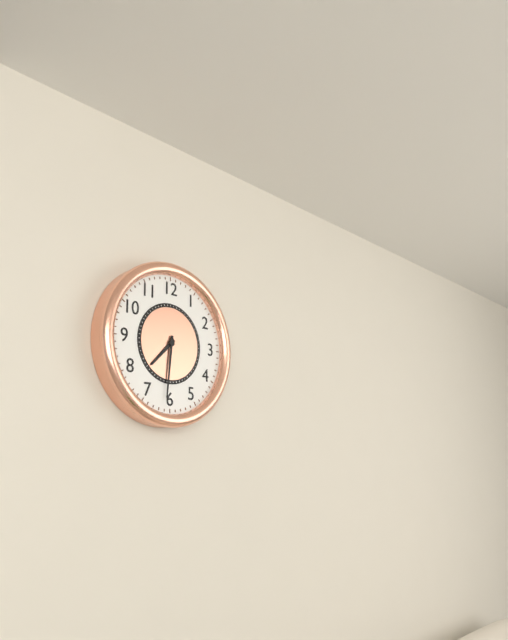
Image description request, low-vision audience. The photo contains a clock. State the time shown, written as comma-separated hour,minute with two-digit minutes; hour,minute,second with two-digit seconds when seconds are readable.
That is 7,31
